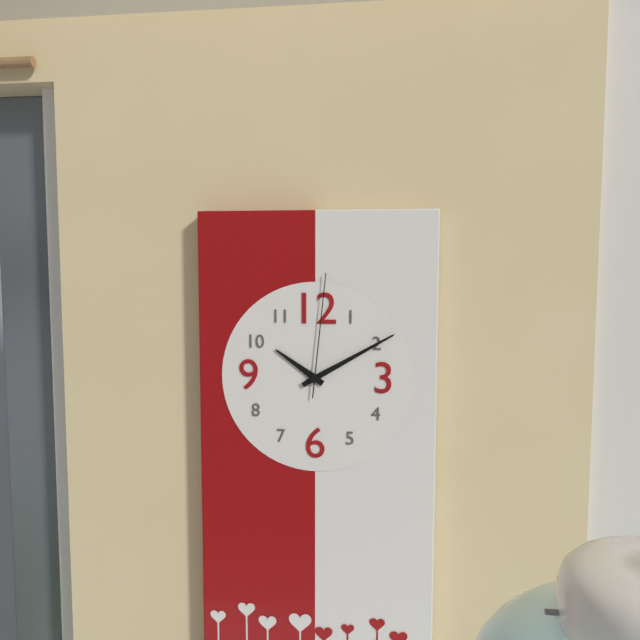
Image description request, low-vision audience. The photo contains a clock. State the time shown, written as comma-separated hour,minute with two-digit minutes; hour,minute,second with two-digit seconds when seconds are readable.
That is 10,10,01
